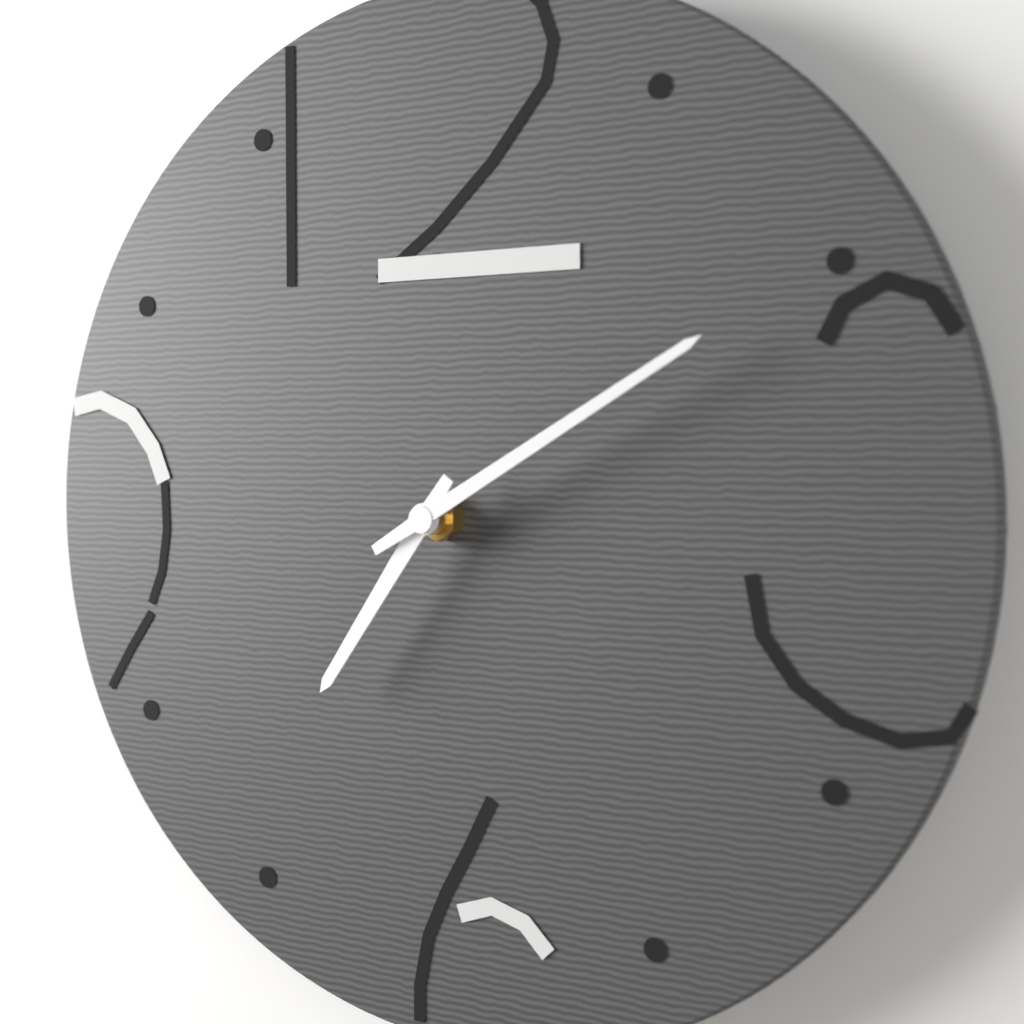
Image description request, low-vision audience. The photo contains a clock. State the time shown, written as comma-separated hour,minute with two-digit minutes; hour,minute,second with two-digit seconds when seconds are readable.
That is 7,10
